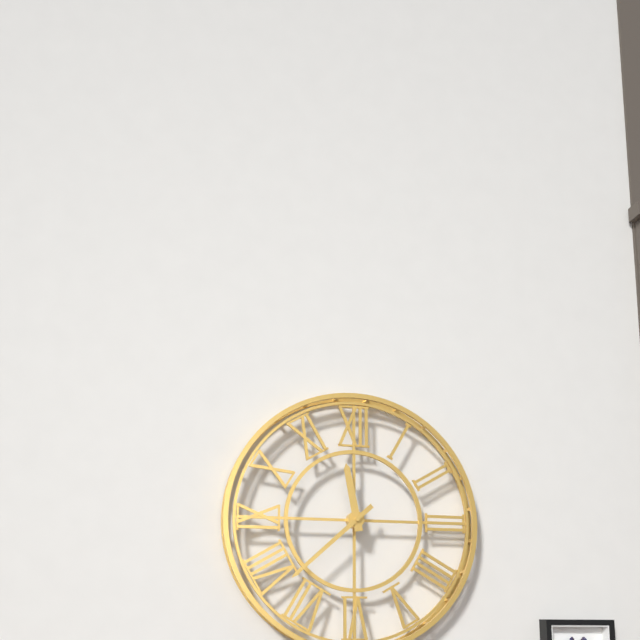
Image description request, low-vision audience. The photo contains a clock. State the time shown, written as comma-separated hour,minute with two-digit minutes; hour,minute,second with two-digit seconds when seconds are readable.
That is 11,38
